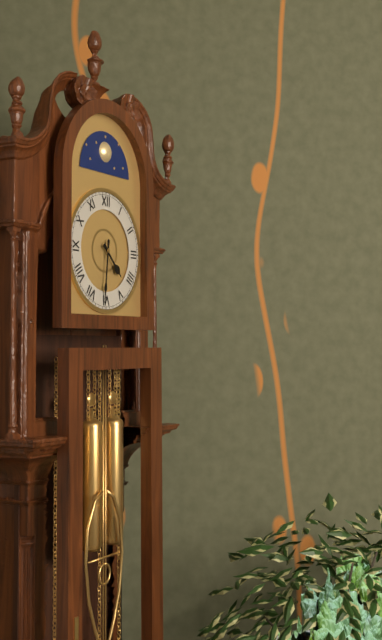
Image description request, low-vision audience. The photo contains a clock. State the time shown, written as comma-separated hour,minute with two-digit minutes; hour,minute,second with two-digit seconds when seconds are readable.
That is 4,31
